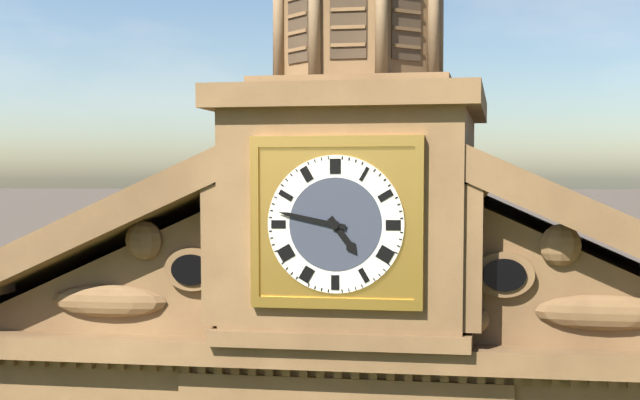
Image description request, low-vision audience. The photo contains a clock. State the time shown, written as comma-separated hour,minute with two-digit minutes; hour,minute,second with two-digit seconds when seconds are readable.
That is 4,47
